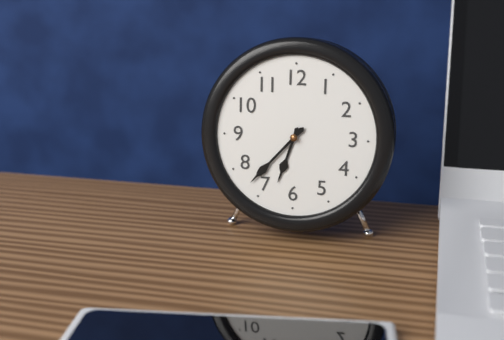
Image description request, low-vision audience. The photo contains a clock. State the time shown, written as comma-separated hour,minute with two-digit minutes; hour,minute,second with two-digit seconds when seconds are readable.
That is 6,37
